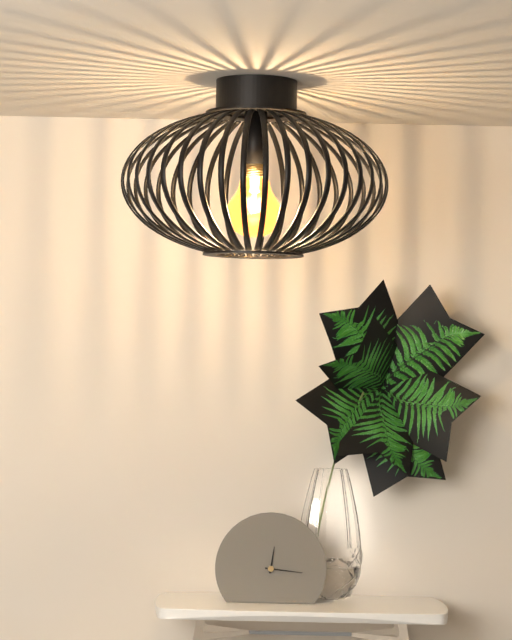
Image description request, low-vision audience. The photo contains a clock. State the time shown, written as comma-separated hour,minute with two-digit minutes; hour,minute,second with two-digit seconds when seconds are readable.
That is 12,16
